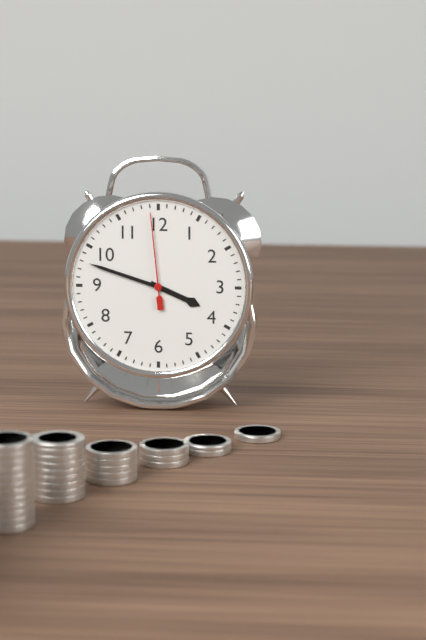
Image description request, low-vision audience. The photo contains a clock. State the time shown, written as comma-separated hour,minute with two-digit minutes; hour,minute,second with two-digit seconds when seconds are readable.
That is 3,48,59
